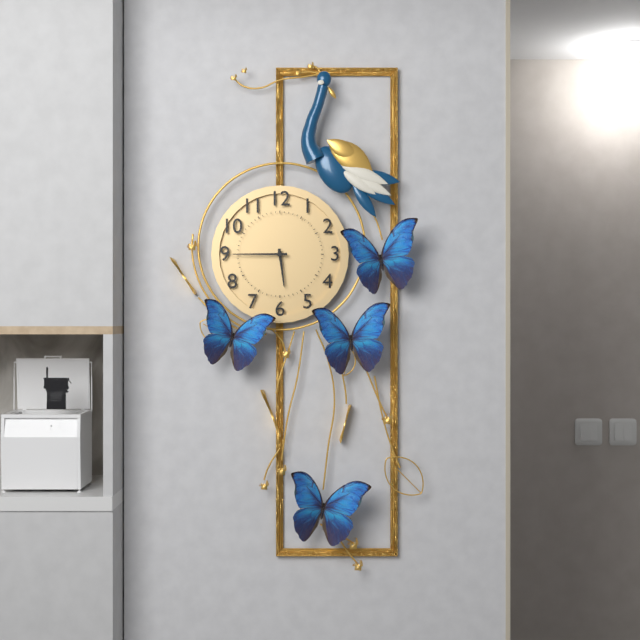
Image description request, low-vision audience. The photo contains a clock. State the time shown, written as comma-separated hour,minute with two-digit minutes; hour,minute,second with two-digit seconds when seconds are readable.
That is 5,45
